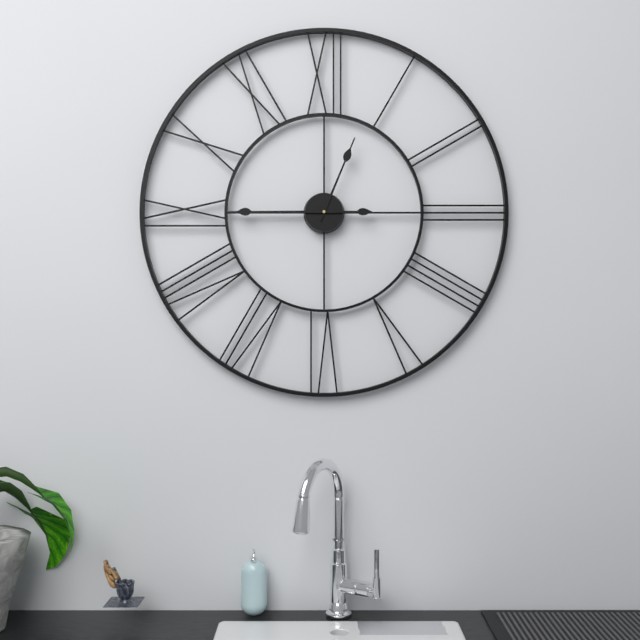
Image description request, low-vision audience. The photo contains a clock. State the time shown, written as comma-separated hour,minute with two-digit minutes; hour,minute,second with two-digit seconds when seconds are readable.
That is 12,45
